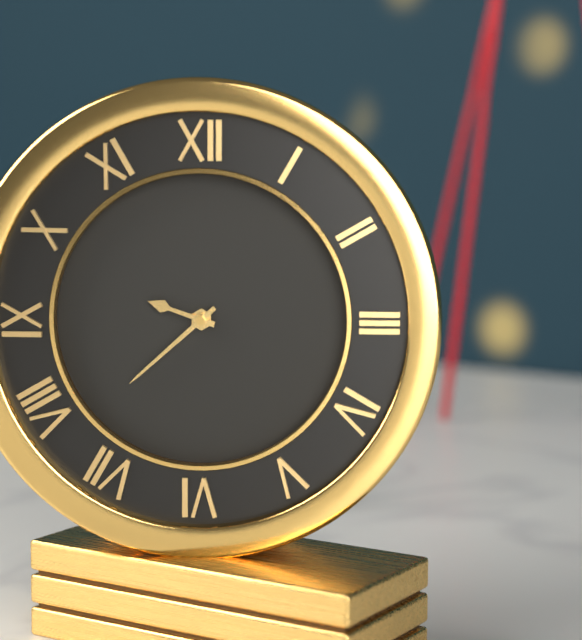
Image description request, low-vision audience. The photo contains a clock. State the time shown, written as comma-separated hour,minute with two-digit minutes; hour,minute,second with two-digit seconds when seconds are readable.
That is 9,38
